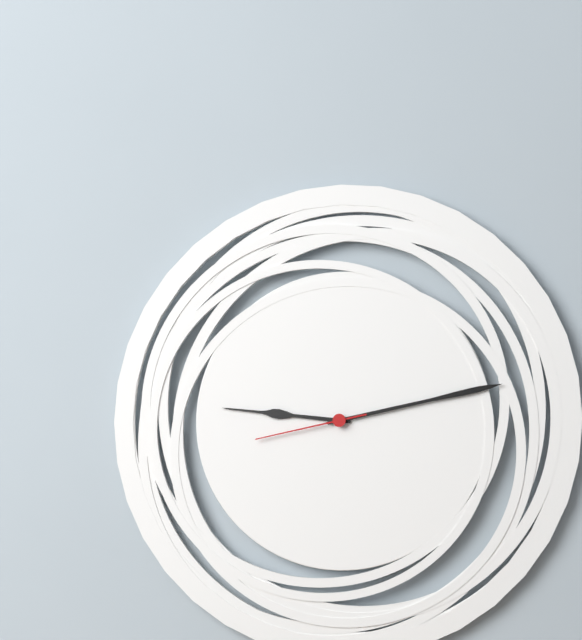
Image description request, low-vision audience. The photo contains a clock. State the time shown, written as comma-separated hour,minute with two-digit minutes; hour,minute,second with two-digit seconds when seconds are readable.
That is 9,13,43
